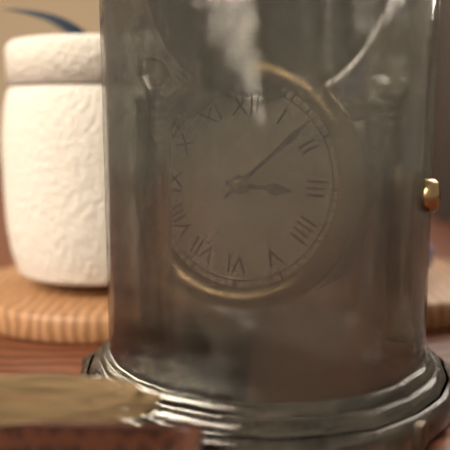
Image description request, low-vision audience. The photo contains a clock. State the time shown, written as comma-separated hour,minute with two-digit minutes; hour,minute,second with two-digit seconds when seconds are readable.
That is 3,08
